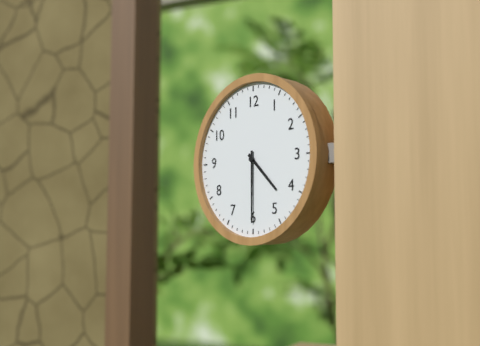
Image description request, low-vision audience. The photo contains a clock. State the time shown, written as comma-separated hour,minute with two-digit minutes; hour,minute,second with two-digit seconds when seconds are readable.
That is 4,30
